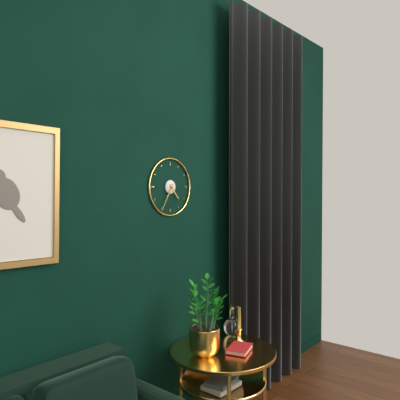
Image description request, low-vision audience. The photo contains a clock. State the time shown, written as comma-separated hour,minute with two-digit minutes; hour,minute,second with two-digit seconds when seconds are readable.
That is 4,35
